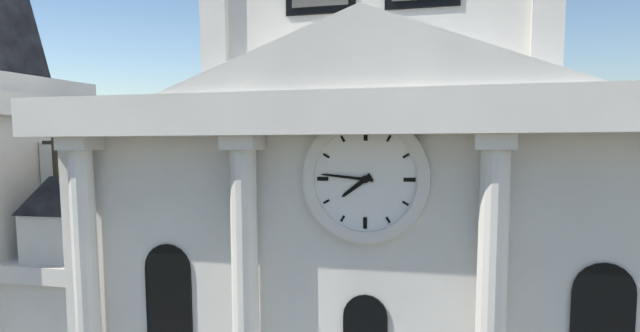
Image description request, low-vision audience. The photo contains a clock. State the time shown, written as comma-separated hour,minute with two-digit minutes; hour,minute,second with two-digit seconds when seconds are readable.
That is 7,46
